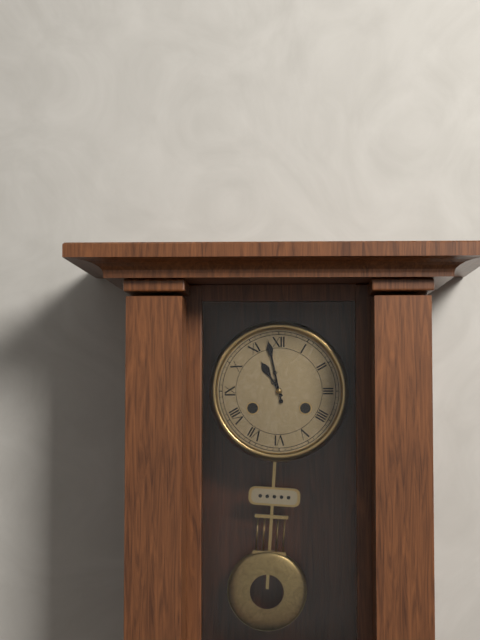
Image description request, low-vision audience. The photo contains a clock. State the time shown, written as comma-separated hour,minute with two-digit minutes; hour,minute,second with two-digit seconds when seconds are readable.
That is 10,58
